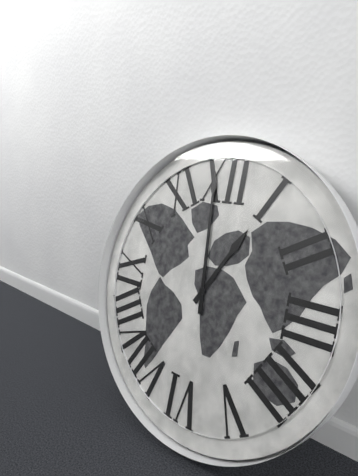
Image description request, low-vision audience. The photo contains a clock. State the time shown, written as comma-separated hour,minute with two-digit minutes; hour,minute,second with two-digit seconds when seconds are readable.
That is 12,59
